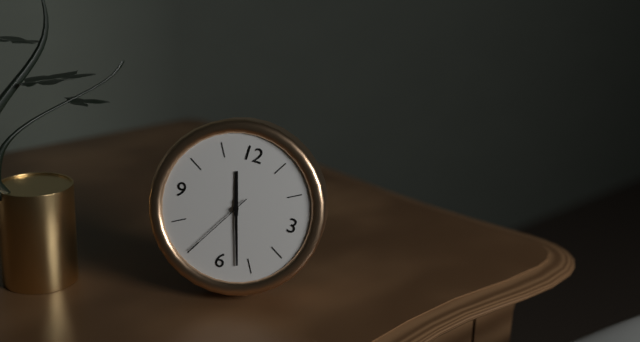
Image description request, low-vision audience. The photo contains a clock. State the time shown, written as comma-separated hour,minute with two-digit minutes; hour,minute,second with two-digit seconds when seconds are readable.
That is 11,27,35
